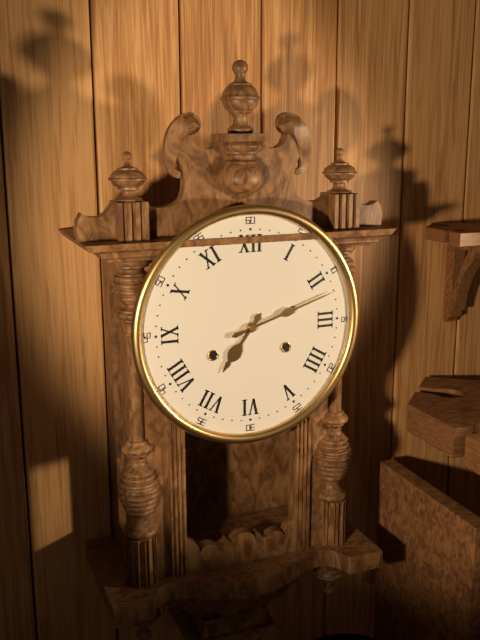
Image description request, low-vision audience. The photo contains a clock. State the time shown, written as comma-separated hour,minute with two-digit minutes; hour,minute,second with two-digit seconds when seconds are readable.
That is 7,12
